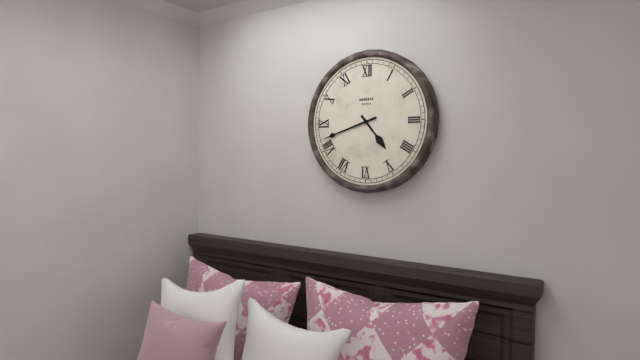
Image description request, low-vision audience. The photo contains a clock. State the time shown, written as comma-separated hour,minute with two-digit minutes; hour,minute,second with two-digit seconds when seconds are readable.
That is 4,42
